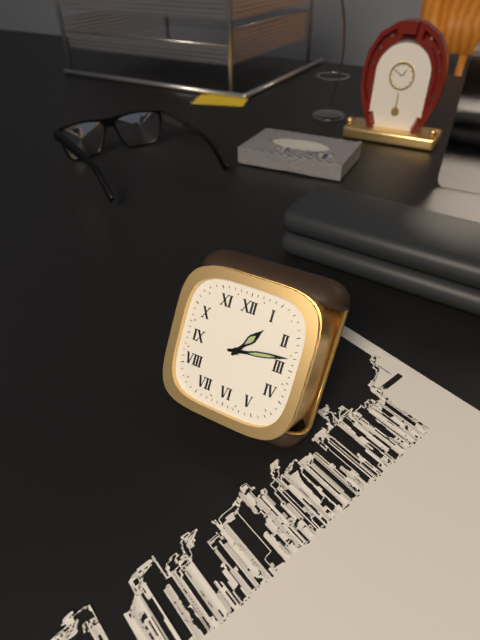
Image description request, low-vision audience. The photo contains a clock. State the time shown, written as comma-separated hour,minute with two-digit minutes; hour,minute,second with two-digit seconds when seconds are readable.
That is 1,13
